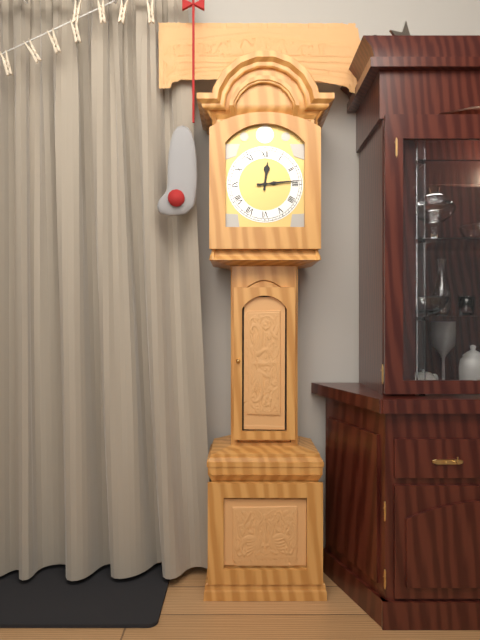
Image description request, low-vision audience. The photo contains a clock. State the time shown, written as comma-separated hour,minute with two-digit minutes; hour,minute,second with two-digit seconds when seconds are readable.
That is 12,14
